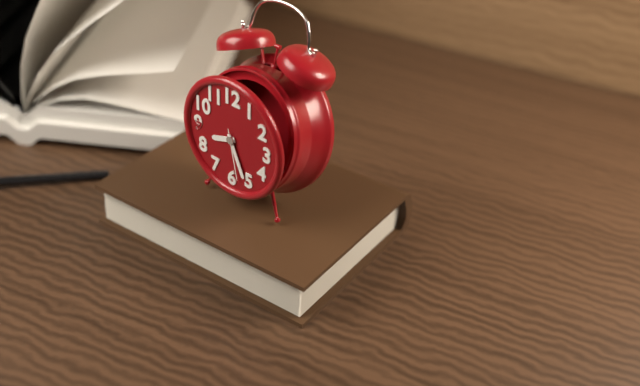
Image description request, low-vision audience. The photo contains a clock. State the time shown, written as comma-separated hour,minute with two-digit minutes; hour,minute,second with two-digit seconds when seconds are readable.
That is 8,26,28
